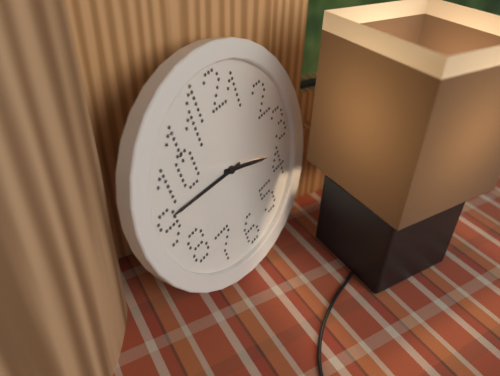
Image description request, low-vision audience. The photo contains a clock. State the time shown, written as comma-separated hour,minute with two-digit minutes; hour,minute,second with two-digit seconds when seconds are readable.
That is 3,46
